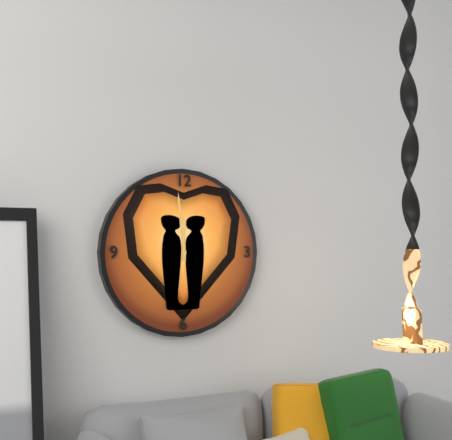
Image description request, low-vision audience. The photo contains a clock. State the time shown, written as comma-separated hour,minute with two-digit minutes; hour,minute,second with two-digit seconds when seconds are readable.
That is 11,59
